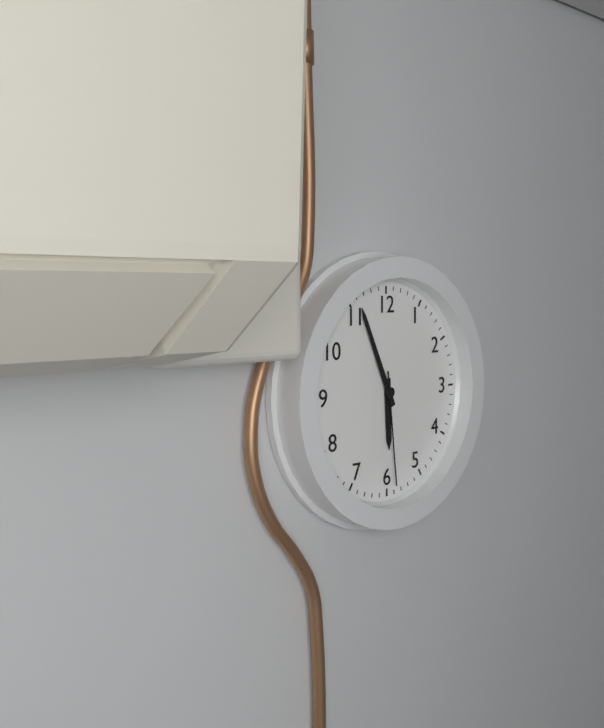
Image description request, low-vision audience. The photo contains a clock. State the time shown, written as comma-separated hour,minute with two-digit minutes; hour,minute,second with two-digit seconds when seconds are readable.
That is 5,56,29
